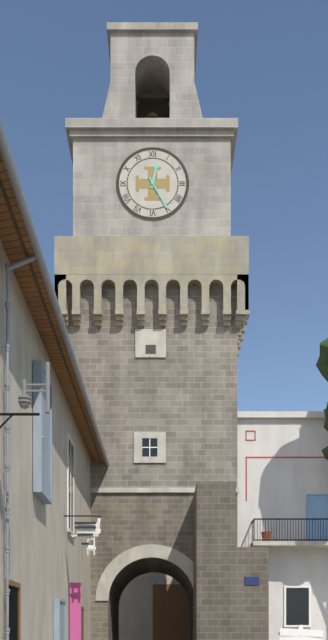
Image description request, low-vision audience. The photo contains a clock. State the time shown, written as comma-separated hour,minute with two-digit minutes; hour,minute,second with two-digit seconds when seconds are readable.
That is 12,25
